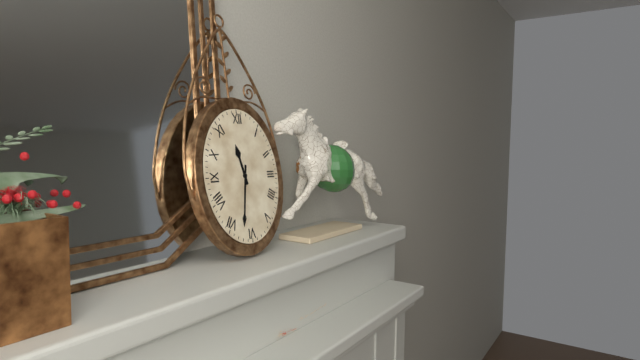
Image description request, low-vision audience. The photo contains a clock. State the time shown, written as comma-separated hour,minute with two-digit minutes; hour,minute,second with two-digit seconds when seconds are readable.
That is 11,32
